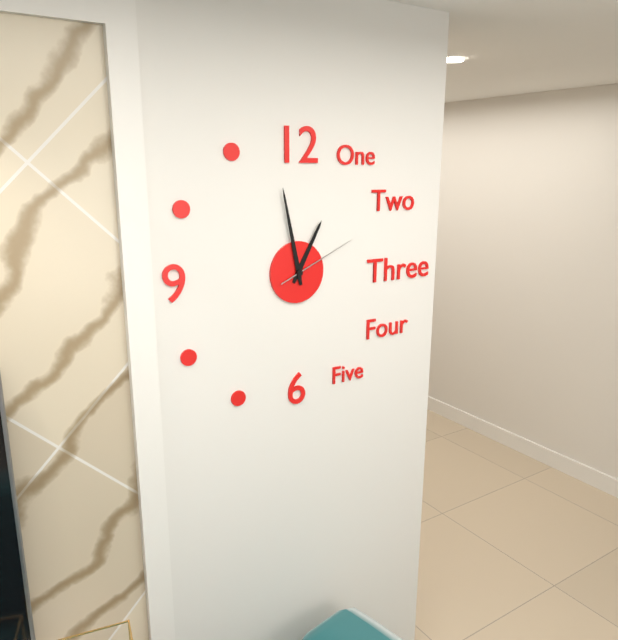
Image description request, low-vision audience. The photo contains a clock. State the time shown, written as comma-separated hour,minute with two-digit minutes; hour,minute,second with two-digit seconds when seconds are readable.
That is 12,58,11
